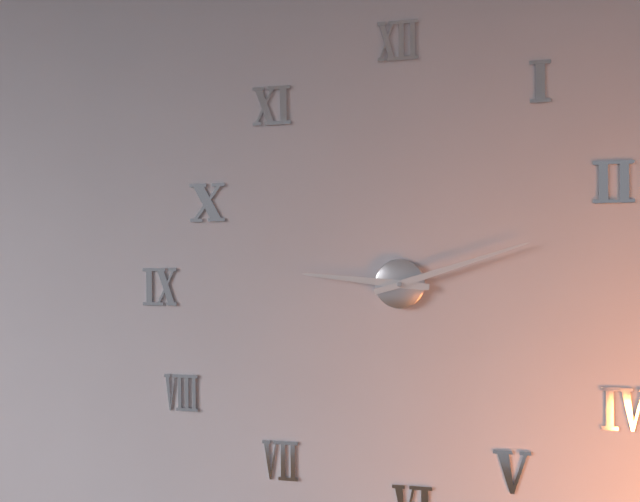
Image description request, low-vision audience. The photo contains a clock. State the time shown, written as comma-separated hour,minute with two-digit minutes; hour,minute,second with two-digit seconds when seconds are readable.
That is 9,12
